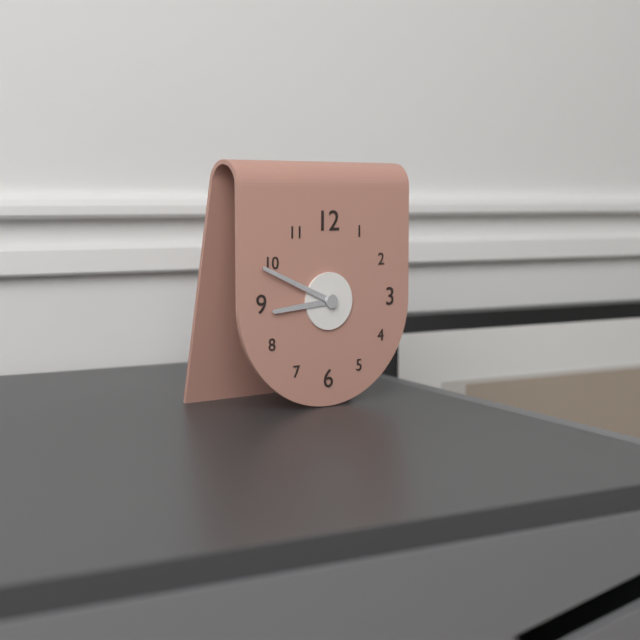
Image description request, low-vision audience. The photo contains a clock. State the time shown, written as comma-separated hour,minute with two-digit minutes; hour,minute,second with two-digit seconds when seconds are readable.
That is 8,49
